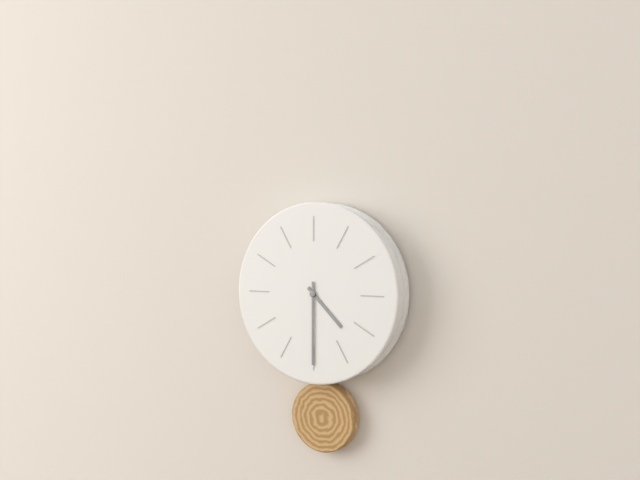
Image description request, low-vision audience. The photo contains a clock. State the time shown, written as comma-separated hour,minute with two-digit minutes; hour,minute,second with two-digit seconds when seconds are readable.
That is 4,30
